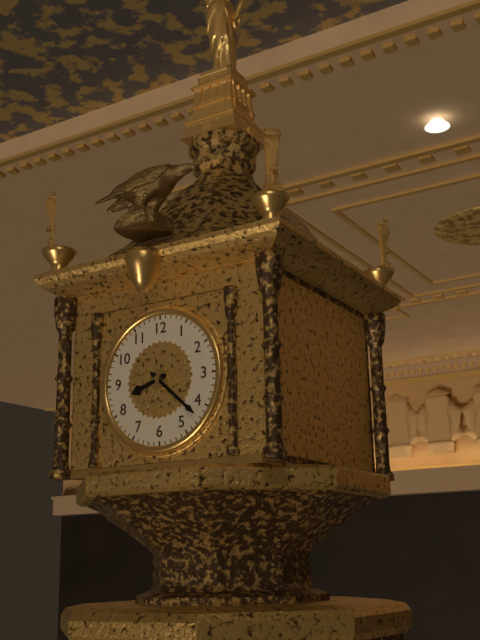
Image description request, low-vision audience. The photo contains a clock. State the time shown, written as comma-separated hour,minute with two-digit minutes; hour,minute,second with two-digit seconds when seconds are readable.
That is 8,22
